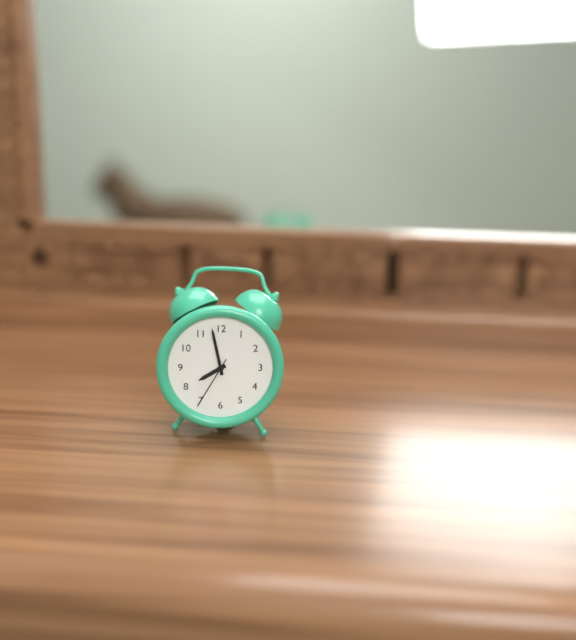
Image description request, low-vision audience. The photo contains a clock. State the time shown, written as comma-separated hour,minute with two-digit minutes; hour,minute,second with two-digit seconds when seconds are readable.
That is 7,58,35
